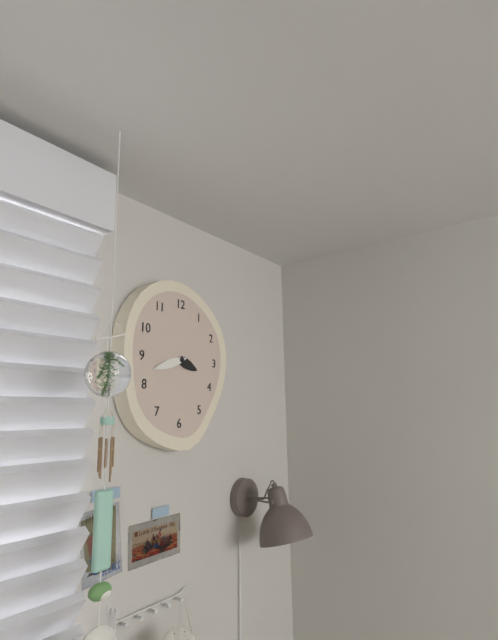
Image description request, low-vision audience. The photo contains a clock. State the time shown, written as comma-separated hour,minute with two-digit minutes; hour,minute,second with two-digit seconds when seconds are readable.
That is 3,42
